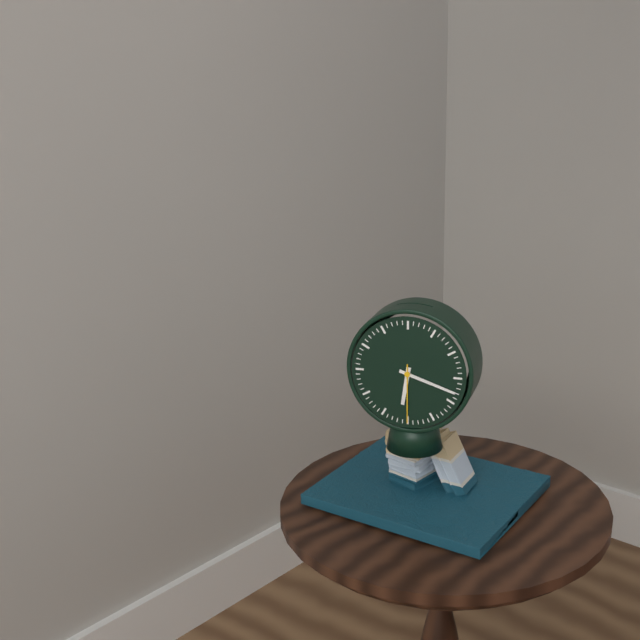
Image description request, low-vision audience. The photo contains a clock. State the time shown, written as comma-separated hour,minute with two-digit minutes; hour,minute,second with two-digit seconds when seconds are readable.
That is 6,18,30
